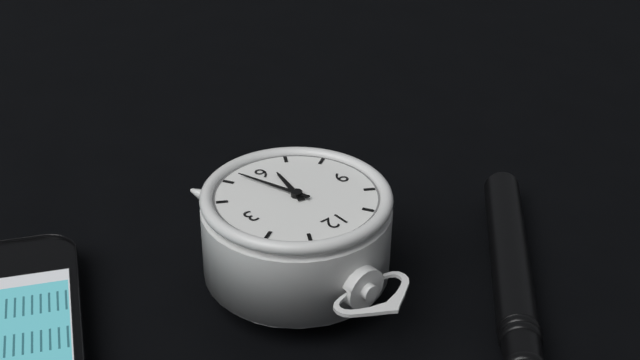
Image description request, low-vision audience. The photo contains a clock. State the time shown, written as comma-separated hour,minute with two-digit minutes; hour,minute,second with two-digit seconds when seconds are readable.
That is 6,27
